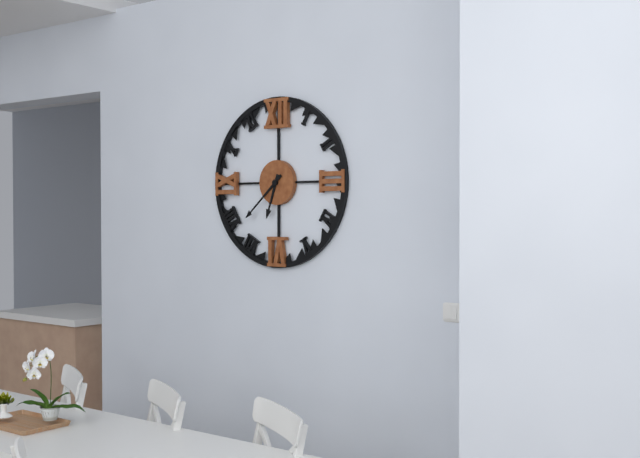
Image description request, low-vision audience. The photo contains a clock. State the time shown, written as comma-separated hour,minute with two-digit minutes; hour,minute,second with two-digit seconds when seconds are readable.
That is 6,38
